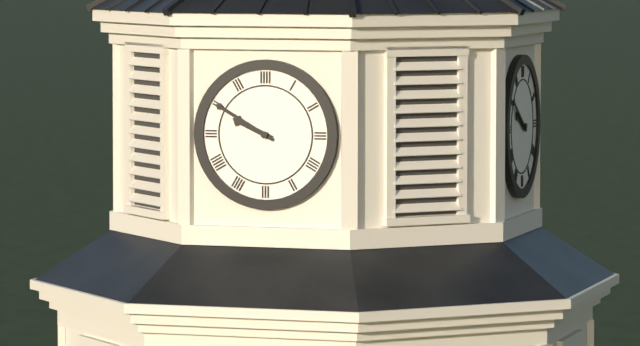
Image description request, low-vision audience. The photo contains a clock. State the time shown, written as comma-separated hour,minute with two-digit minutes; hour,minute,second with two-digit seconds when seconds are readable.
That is 9,50
